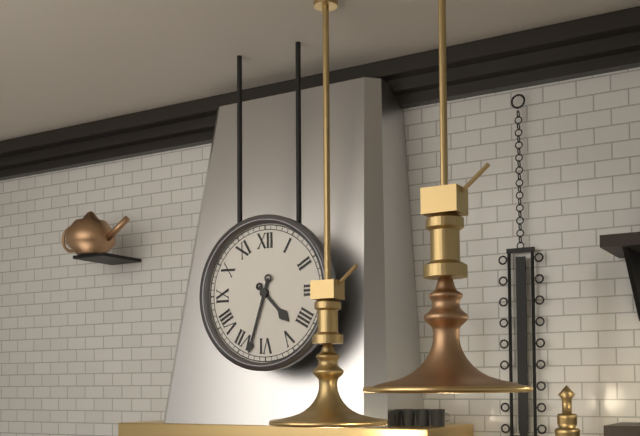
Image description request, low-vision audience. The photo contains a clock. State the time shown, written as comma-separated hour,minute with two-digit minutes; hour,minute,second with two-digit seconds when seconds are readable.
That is 4,33
